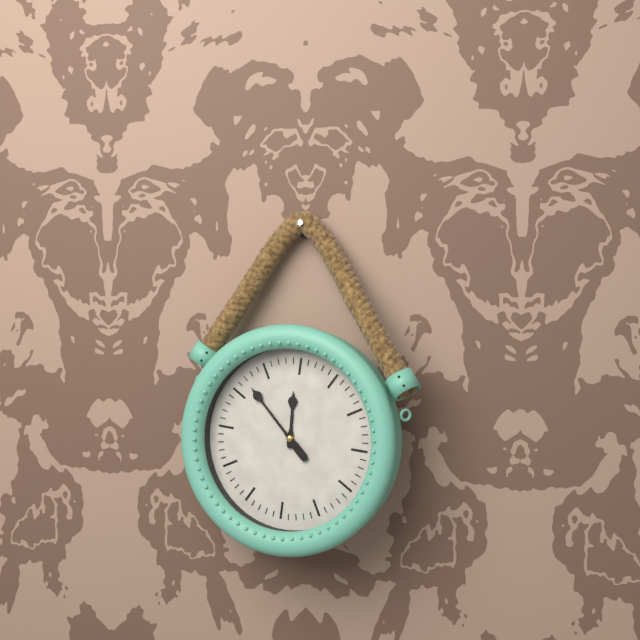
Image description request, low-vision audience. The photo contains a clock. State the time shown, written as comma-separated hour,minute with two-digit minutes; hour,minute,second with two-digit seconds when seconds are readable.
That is 11,52
